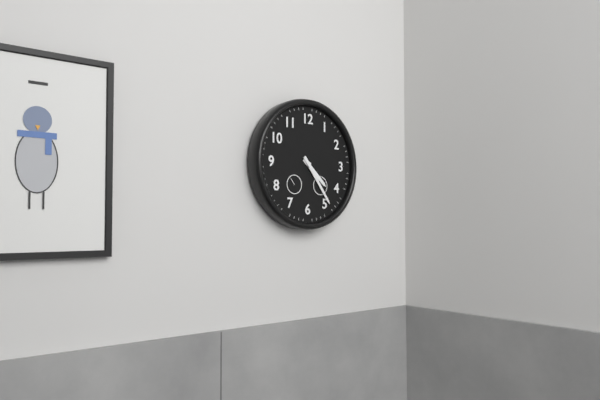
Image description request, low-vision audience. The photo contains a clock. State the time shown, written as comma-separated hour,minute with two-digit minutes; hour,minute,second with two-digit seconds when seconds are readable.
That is 4,24
